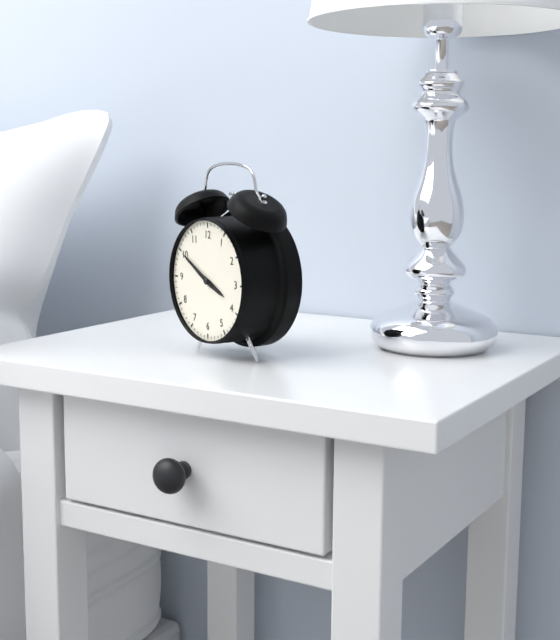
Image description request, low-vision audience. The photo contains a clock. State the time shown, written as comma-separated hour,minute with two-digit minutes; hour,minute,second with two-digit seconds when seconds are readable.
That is 3,50
